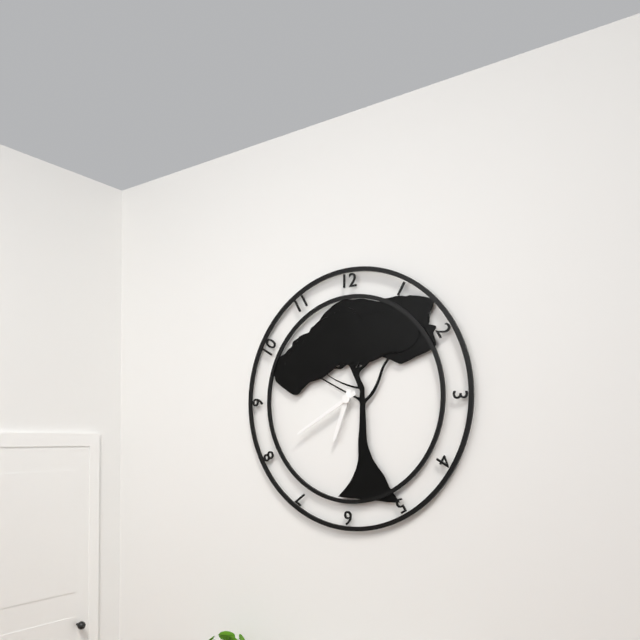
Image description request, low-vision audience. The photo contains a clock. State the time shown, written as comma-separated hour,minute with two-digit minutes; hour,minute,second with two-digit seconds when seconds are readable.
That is 6,40
